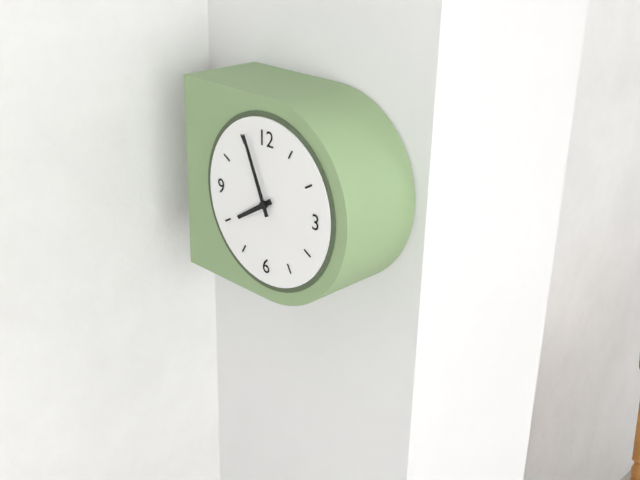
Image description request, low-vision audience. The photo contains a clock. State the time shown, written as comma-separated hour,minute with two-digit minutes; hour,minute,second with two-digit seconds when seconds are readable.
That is 7,56
